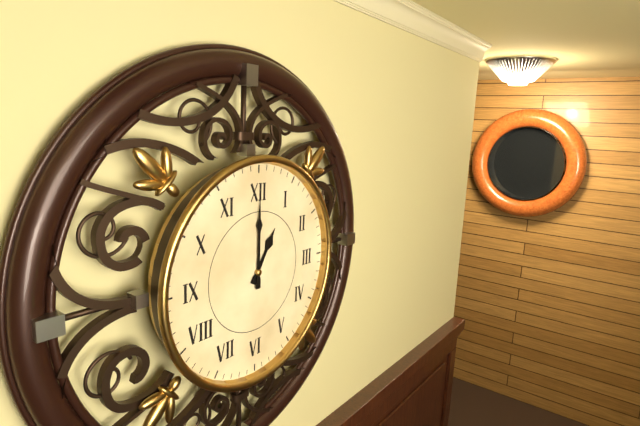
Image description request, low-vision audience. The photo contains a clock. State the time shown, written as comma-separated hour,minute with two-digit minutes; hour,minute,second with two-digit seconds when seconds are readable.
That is 1,00
